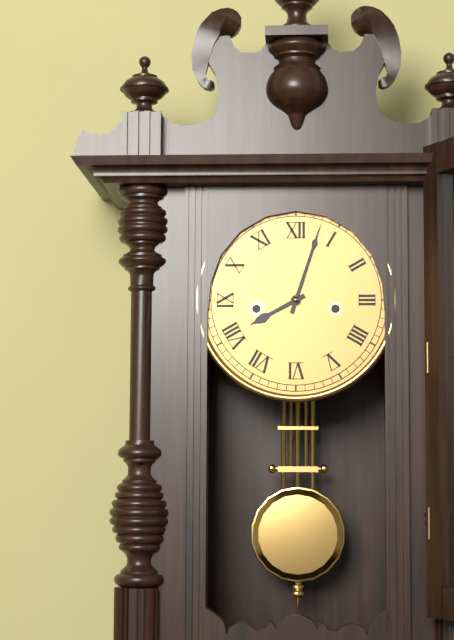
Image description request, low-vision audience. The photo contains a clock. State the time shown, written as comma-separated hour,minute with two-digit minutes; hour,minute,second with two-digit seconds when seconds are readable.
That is 8,03
